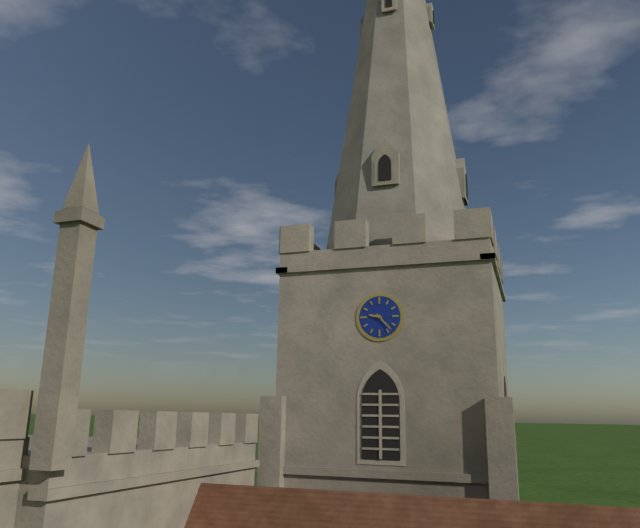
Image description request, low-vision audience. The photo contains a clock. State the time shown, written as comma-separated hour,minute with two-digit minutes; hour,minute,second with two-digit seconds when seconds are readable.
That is 9,23
